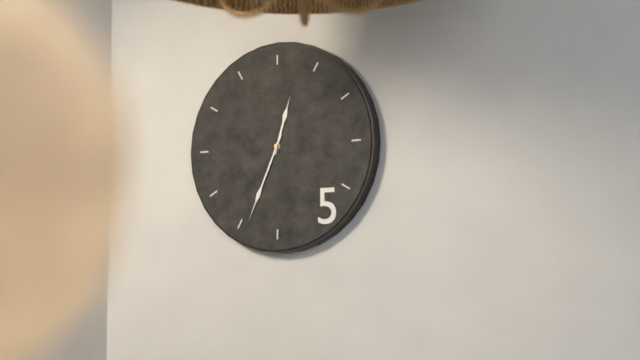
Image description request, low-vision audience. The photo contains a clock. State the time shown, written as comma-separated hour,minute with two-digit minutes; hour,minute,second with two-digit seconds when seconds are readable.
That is 12,34
